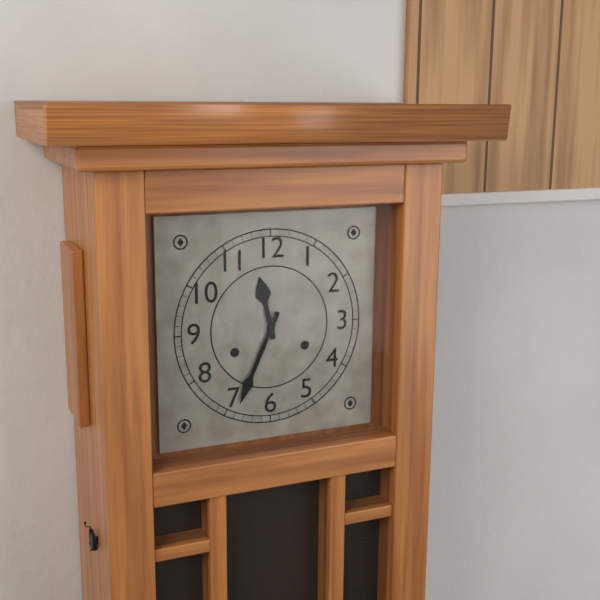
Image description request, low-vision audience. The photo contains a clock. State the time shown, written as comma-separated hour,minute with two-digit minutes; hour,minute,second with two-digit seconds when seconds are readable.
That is 11,34
